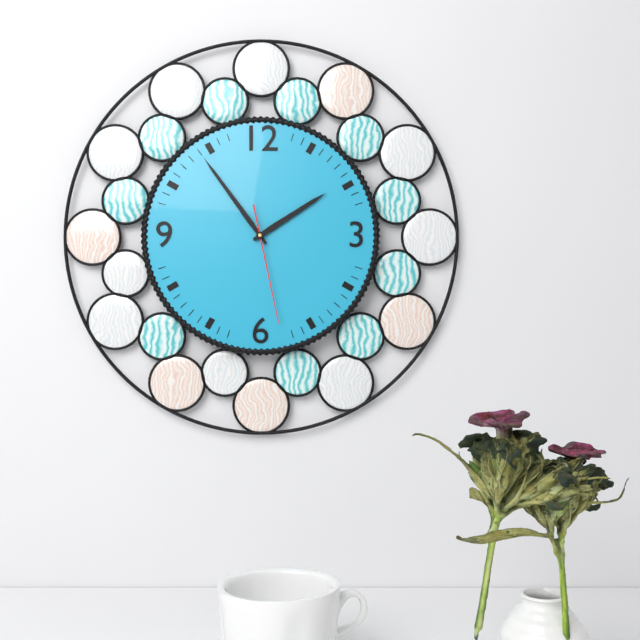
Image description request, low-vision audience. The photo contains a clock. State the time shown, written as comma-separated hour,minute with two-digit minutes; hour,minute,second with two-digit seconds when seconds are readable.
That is 1,54,28
